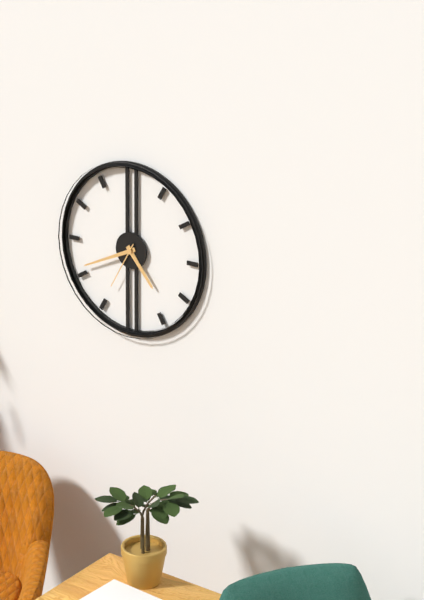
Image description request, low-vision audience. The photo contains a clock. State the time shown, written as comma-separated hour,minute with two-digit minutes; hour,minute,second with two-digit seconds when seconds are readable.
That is 4,41,35
